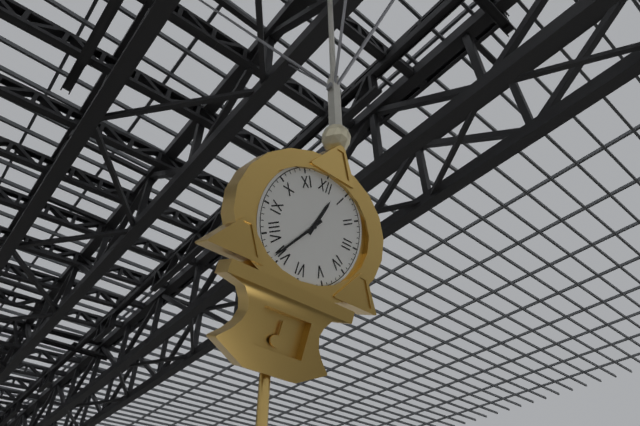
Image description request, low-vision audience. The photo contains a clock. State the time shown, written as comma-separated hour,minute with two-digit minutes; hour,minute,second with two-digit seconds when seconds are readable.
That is 12,36
